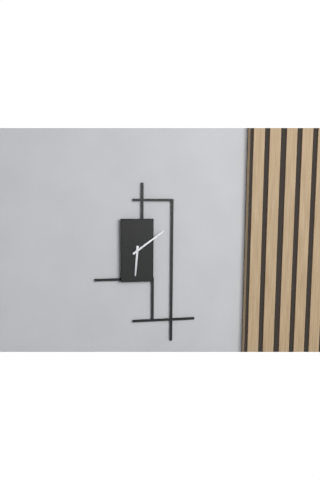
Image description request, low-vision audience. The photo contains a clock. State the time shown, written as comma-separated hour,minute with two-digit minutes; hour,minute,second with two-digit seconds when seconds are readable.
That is 6,09
